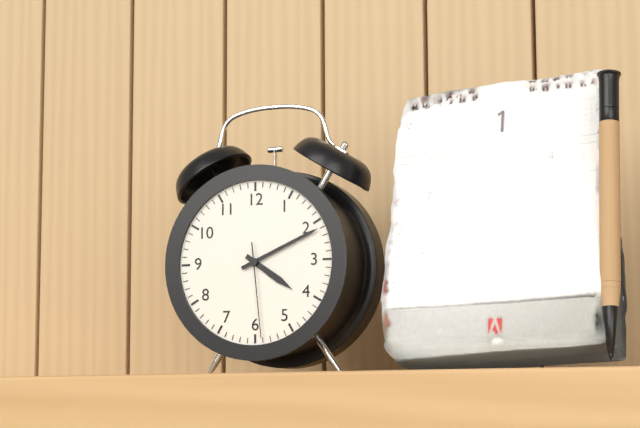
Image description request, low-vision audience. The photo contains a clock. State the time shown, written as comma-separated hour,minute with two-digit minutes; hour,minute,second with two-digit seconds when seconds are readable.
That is 4,11,29
